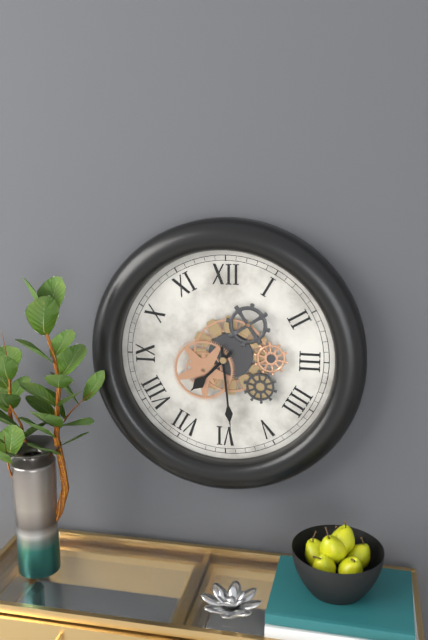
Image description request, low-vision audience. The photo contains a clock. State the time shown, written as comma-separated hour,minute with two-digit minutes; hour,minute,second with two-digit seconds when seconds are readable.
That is 7,29
